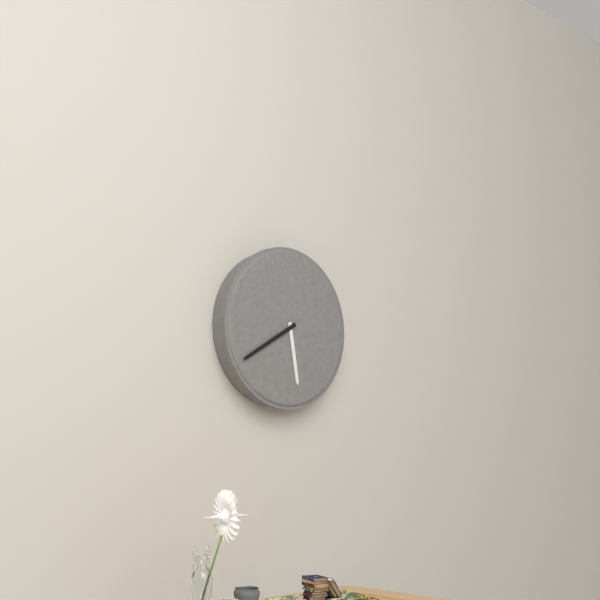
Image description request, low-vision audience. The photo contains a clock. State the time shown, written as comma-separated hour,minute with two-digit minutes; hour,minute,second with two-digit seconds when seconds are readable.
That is 5,40
